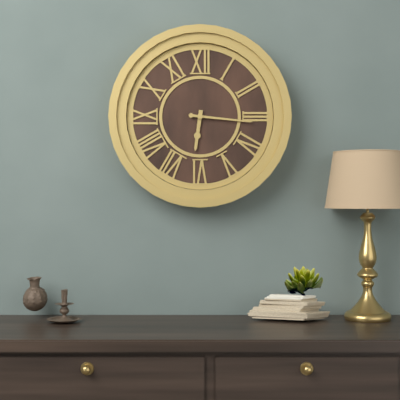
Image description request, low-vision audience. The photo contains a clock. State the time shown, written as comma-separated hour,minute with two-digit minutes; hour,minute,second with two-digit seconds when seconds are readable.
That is 6,16
